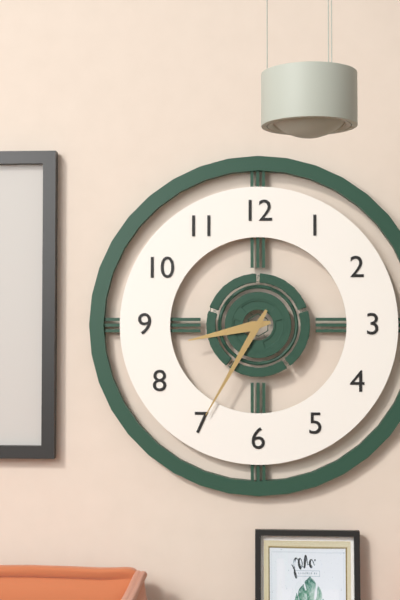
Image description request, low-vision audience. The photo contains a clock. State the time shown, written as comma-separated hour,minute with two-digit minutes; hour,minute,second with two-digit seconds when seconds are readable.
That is 8,35
